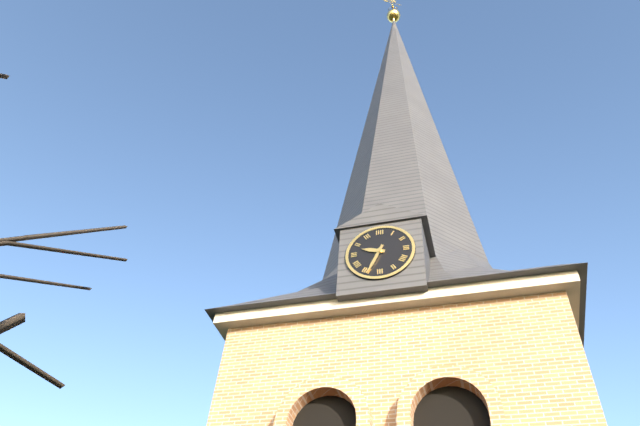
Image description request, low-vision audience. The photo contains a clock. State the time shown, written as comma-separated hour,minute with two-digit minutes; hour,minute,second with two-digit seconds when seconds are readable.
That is 9,34
